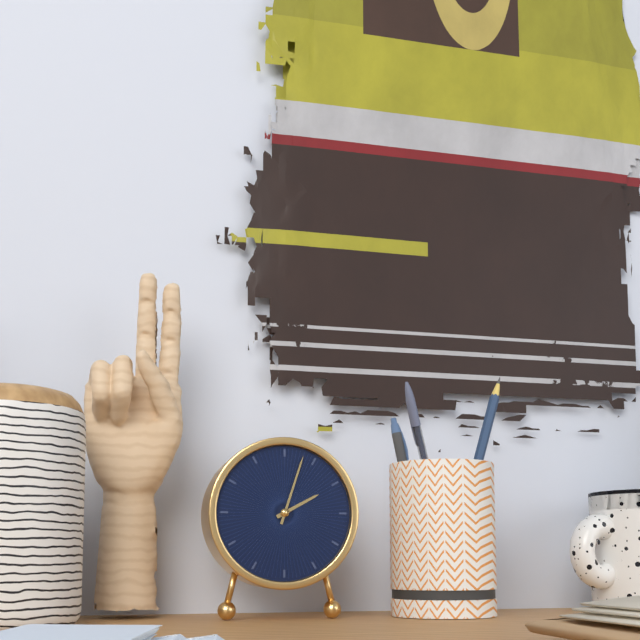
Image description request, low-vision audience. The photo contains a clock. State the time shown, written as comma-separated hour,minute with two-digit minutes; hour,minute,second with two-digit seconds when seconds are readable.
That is 2,03
